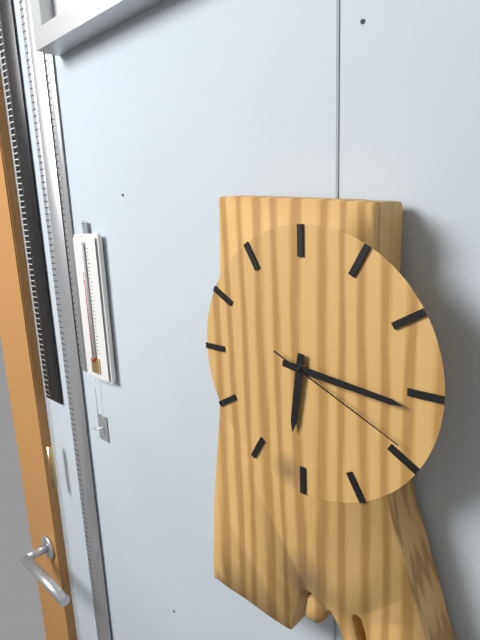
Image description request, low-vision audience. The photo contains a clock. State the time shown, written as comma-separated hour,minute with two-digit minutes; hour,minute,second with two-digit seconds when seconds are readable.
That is 6,16,19
